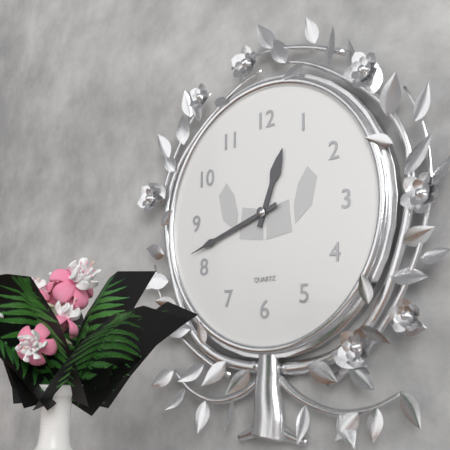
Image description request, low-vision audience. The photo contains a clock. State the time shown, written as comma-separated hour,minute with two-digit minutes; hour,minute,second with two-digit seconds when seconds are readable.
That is 12,42
